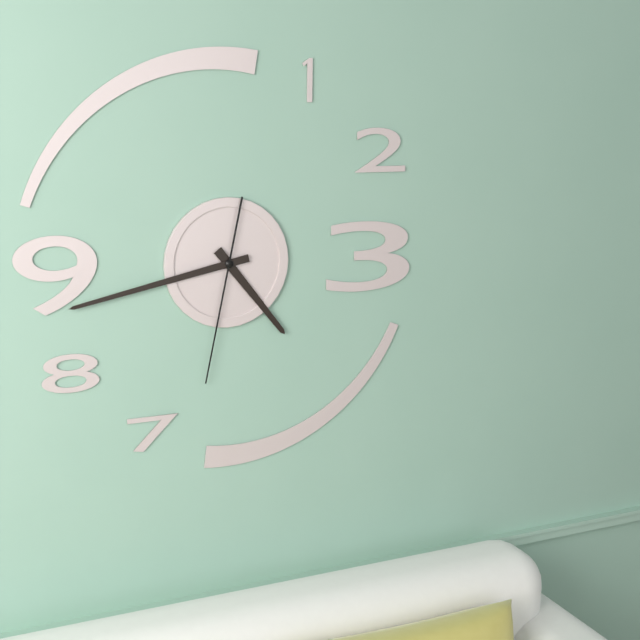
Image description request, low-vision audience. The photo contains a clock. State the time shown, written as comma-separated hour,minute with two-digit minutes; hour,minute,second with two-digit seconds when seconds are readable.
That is 4,43,32
